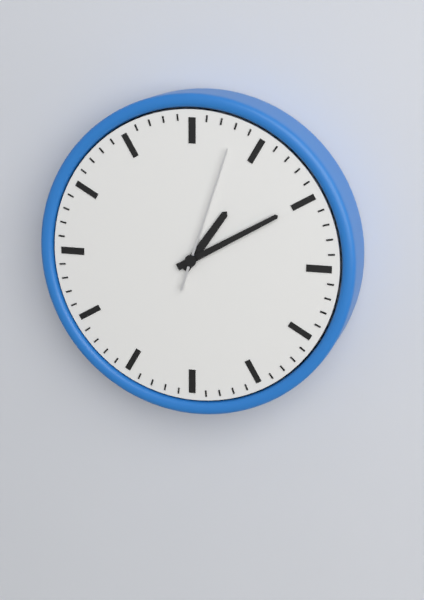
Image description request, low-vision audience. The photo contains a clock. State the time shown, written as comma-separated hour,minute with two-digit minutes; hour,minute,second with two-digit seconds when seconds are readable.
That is 1,10,03
